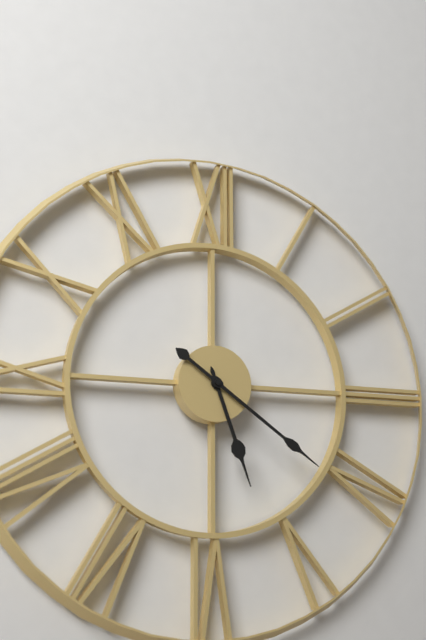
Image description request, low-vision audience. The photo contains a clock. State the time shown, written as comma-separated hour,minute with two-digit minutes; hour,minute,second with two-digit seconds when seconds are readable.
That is 5,21
